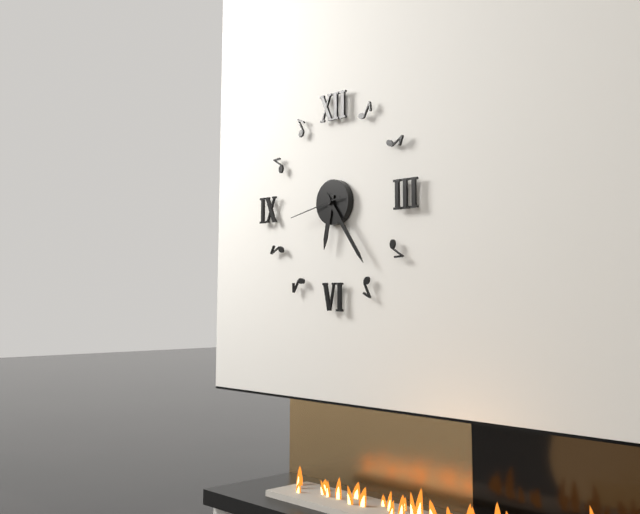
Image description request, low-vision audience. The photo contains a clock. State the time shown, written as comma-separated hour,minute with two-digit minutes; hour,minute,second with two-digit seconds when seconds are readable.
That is 6,24,43
